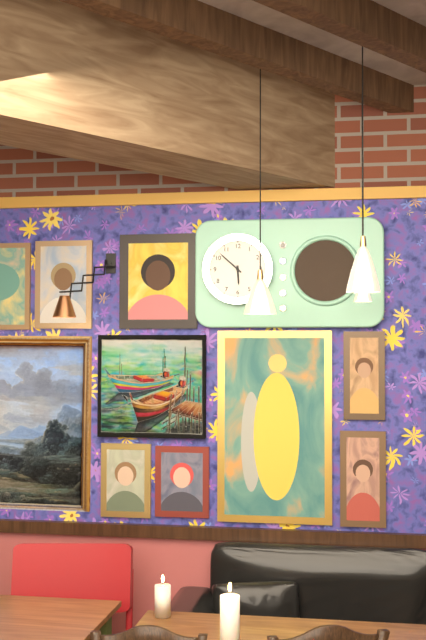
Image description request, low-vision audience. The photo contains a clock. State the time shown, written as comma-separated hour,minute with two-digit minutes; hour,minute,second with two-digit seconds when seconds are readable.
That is 5,52
